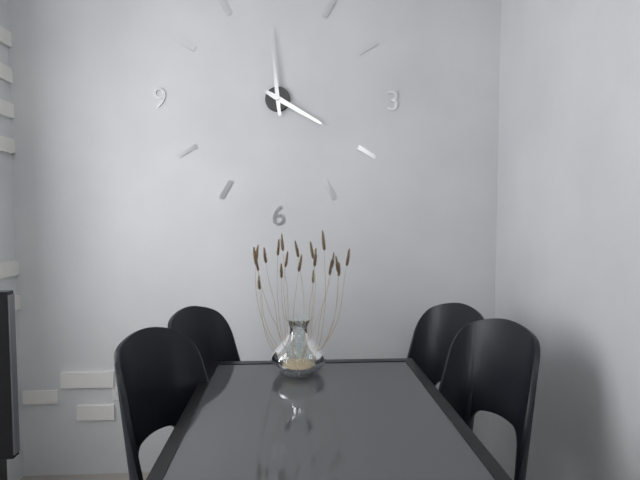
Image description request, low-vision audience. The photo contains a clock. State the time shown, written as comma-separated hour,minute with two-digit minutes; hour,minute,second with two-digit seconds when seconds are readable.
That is 3,59
